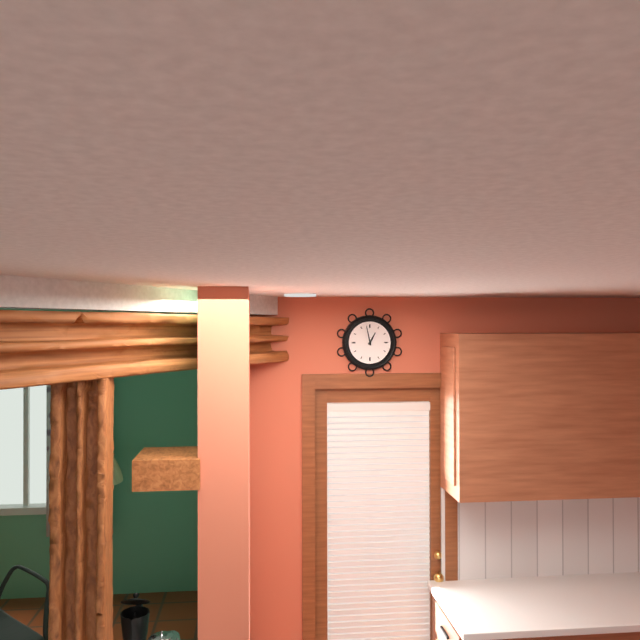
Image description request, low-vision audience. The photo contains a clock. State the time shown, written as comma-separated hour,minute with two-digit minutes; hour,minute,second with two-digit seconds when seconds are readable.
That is 12,58
